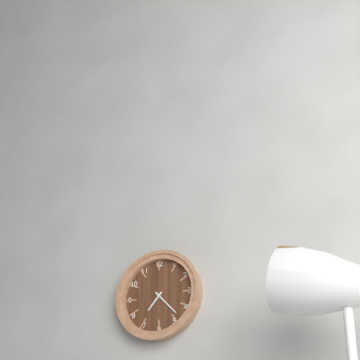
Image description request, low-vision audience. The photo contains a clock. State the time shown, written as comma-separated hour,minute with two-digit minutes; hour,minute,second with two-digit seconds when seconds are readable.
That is 7,23
